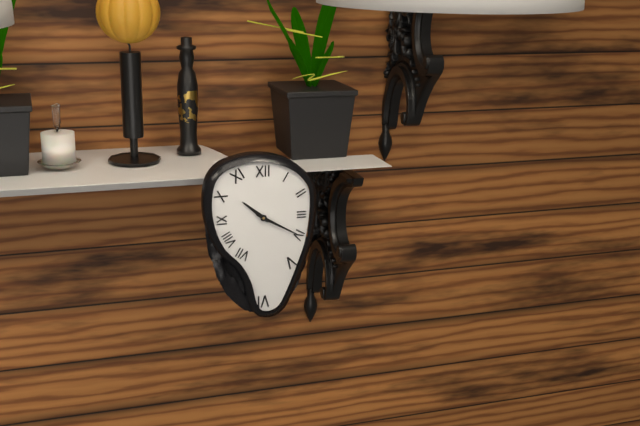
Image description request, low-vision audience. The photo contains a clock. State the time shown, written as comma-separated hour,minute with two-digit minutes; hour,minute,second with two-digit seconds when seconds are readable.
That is 10,20
